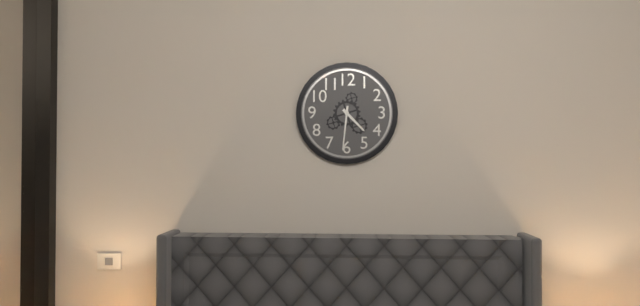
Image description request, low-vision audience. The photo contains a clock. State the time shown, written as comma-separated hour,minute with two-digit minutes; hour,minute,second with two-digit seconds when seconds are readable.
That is 4,31
